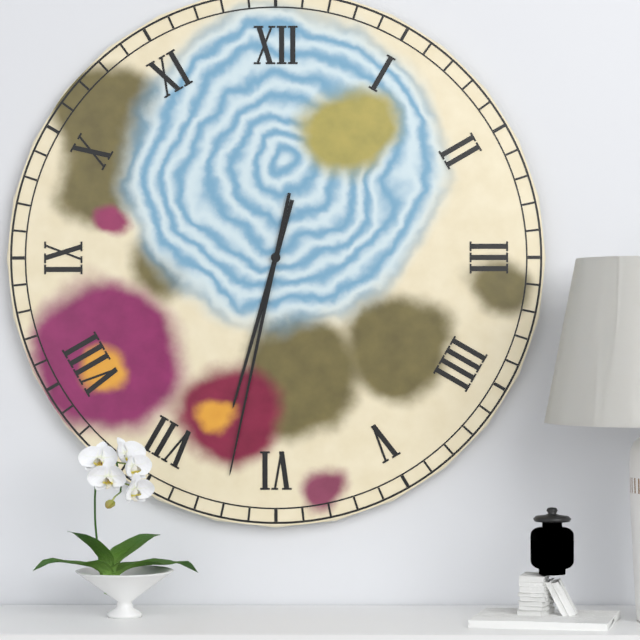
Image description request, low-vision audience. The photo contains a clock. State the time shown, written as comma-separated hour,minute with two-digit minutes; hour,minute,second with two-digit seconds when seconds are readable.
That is 6,32
